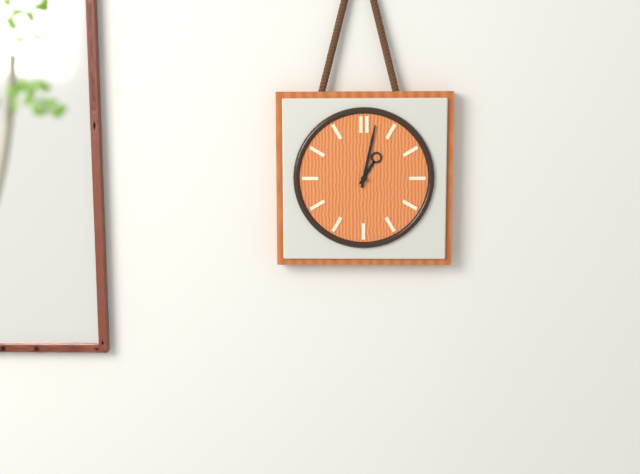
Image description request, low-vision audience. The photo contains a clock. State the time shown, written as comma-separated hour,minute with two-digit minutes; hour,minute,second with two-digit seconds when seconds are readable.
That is 1,02
